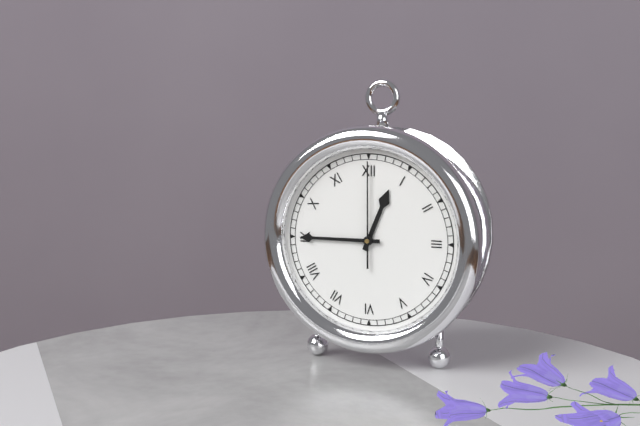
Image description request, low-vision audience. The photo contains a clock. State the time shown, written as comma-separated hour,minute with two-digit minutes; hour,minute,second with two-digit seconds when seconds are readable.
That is 12,45,00
